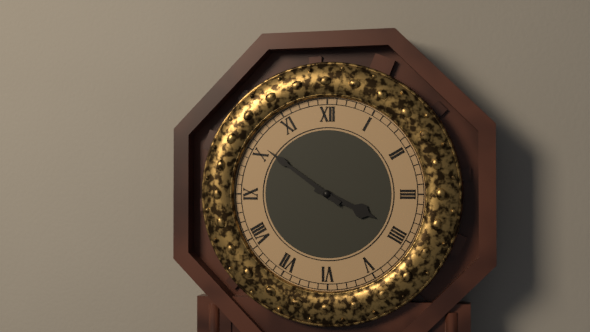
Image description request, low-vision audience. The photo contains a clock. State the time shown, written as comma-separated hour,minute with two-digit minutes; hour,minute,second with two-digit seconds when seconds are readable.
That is 3,51
